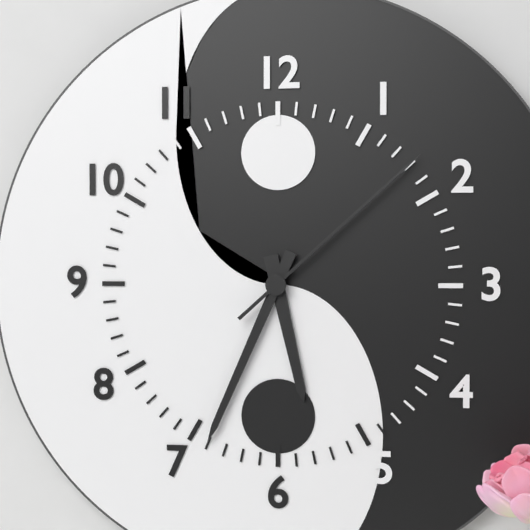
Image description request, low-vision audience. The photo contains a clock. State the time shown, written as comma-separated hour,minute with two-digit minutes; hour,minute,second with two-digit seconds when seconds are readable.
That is 5,34,08
